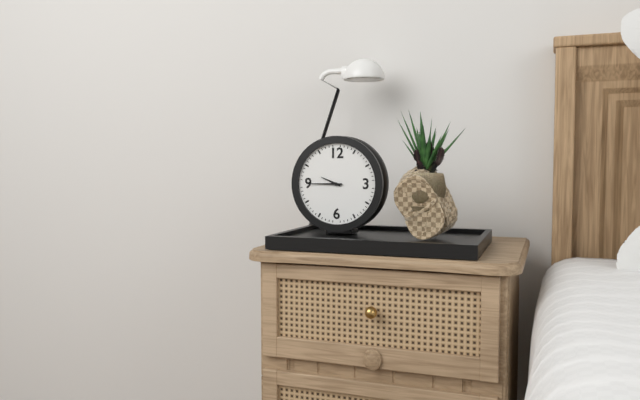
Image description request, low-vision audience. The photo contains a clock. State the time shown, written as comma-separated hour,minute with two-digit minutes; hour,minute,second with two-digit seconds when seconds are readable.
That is 9,45
